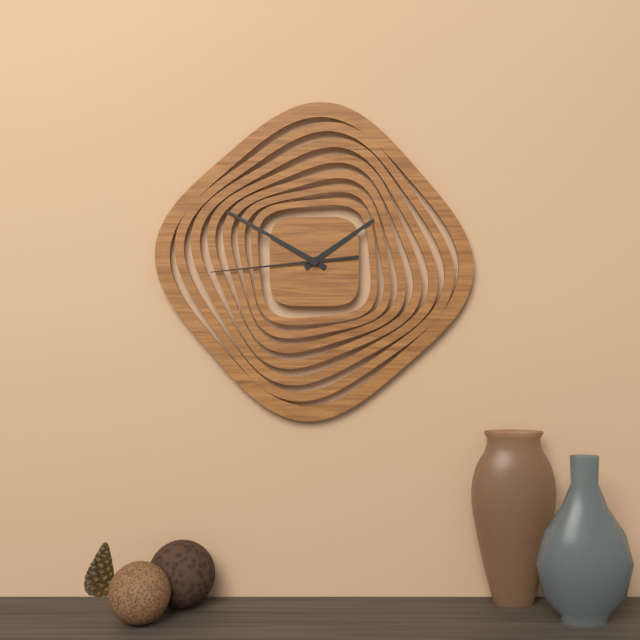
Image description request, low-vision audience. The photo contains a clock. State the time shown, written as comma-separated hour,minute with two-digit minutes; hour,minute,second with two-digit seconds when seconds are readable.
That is 1,50,44
